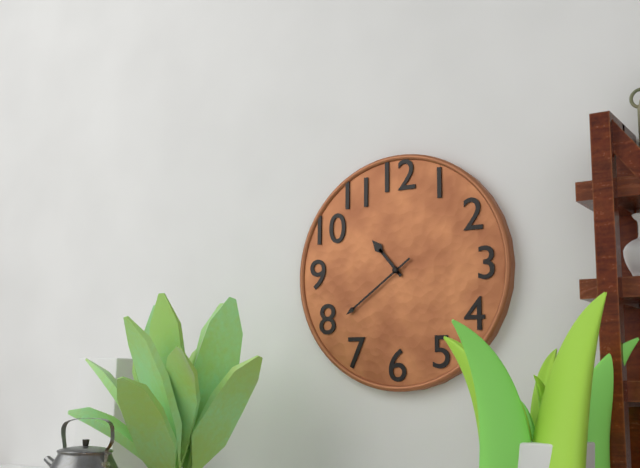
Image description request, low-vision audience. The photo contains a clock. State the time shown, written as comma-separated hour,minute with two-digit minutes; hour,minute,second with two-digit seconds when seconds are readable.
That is 10,39
